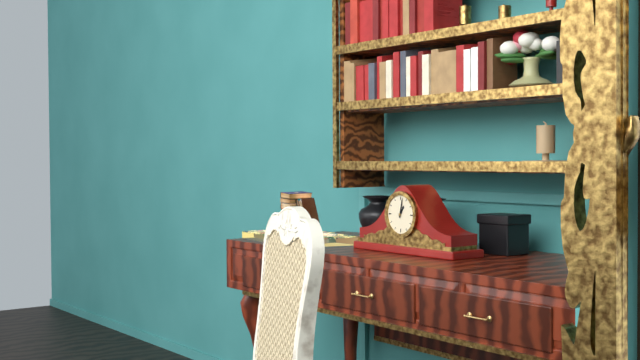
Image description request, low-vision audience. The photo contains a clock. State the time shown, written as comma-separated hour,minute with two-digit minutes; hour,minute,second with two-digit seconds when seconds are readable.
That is 1,02
